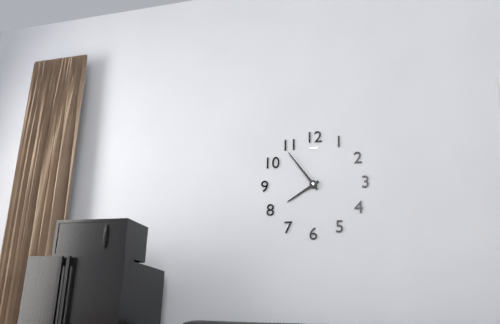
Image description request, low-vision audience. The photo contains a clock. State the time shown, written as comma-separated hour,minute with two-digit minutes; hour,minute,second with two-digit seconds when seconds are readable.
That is 7,54
